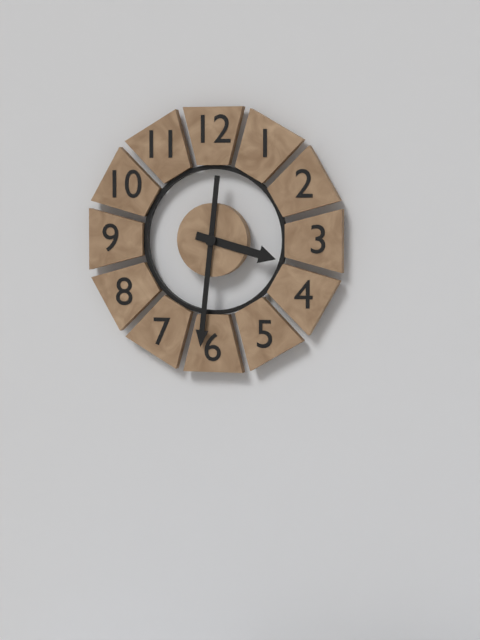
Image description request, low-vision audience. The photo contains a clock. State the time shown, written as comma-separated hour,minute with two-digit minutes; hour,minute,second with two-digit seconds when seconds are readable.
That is 3,31
